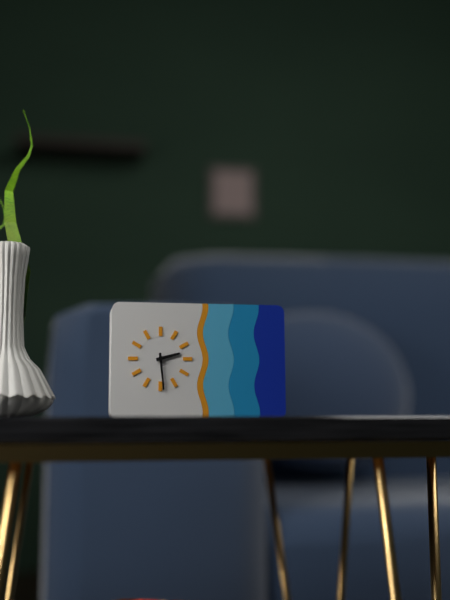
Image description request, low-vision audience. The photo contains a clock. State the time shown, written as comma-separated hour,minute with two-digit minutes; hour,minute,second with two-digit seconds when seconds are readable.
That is 2,29
